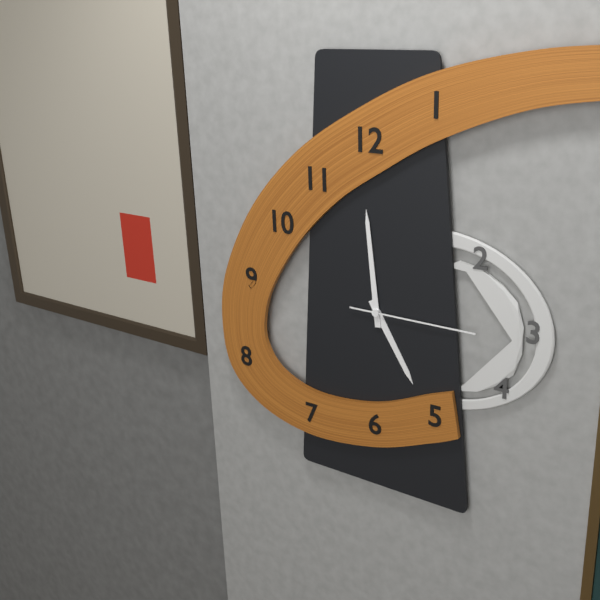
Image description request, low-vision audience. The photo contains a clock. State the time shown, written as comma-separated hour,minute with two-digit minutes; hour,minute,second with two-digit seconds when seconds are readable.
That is 4,59,15
